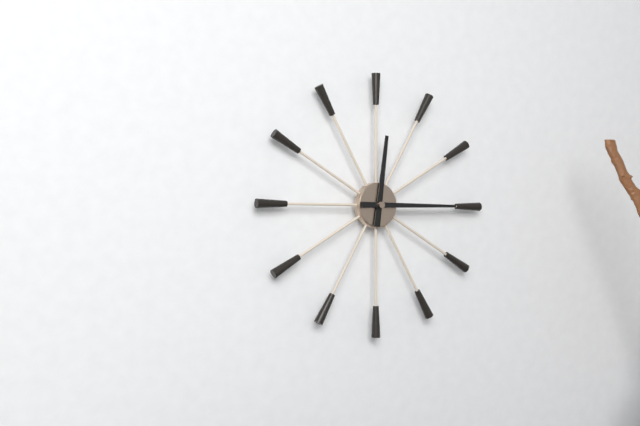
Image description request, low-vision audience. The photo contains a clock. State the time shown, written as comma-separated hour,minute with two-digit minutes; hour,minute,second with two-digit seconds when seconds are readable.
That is 12,15
